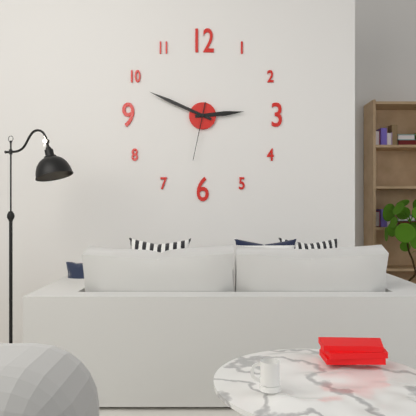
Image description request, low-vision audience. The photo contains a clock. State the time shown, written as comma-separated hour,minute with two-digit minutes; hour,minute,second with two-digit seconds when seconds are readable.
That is 2,49,32
